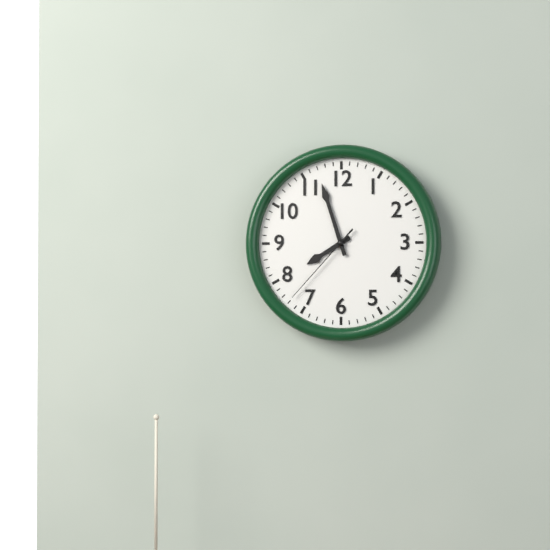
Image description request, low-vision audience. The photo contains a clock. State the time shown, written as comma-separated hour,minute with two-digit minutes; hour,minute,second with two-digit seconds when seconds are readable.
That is 7,57,37
